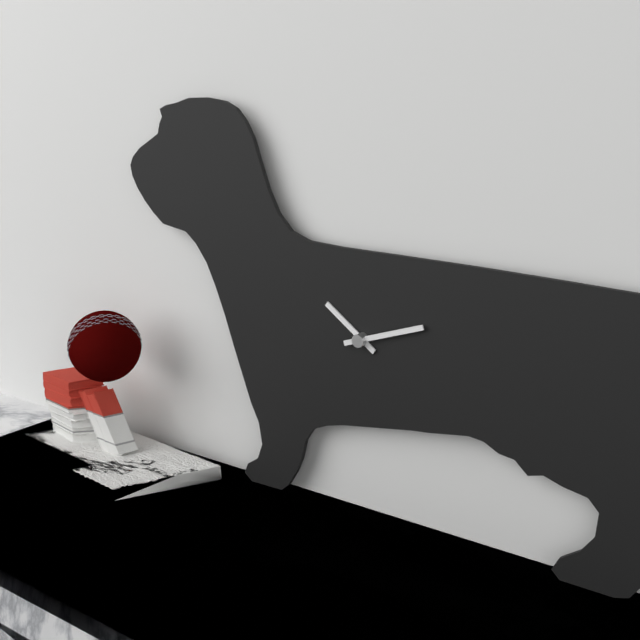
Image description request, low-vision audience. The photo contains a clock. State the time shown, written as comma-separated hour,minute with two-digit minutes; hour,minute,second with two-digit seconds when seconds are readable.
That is 10,12
